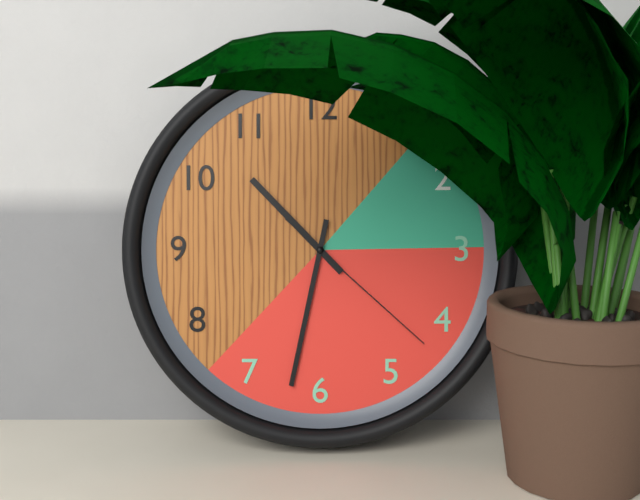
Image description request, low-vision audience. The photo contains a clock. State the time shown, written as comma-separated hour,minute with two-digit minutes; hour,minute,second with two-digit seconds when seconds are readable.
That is 10,32,22
